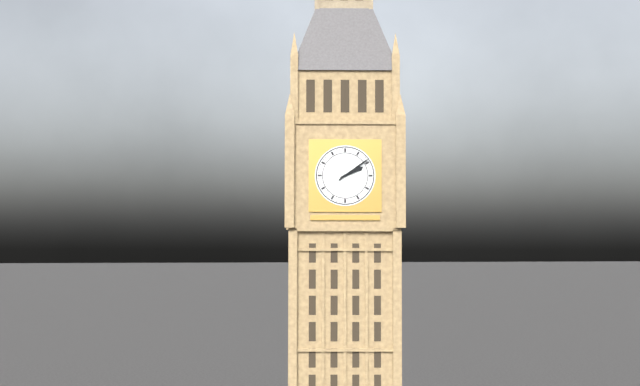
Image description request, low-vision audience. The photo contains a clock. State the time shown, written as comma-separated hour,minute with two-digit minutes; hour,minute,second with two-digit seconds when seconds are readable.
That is 2,09
